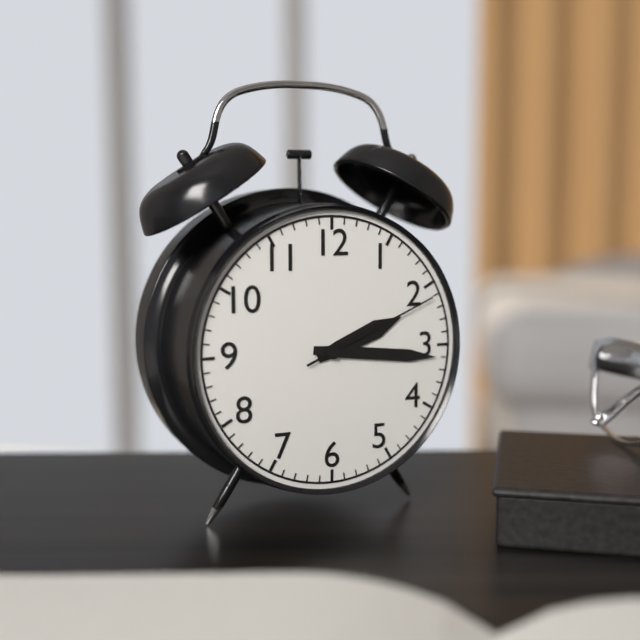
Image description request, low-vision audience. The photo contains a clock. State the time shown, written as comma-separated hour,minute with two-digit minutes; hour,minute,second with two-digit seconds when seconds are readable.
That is 2,16,11
